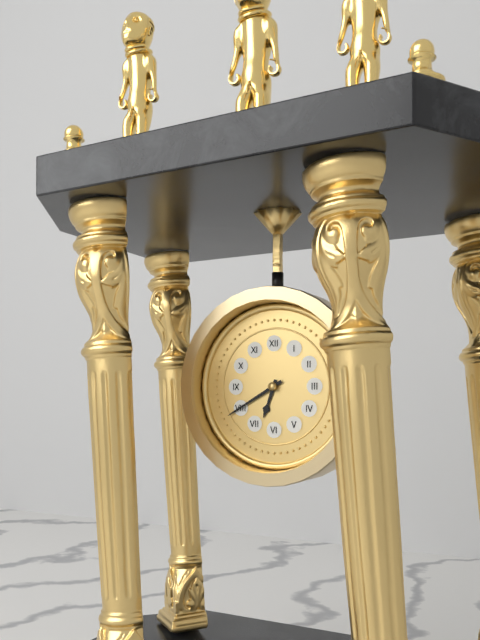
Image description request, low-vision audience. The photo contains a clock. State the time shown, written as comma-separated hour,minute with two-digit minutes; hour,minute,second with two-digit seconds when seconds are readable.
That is 6,40
